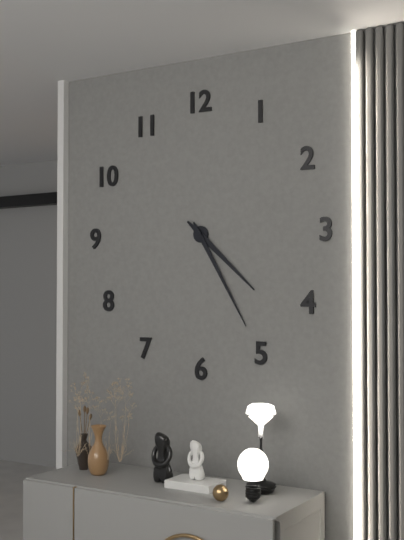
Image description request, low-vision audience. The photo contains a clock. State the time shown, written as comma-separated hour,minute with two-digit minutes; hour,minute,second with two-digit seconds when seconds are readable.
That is 4,25
